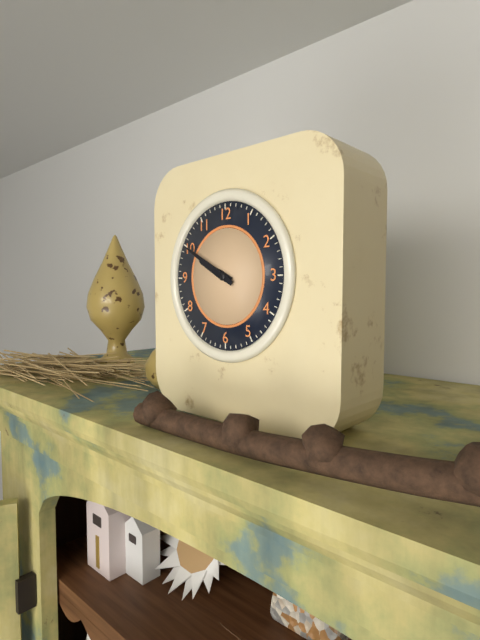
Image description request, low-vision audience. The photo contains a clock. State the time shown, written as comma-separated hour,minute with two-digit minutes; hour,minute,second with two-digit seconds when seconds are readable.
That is 9,50
